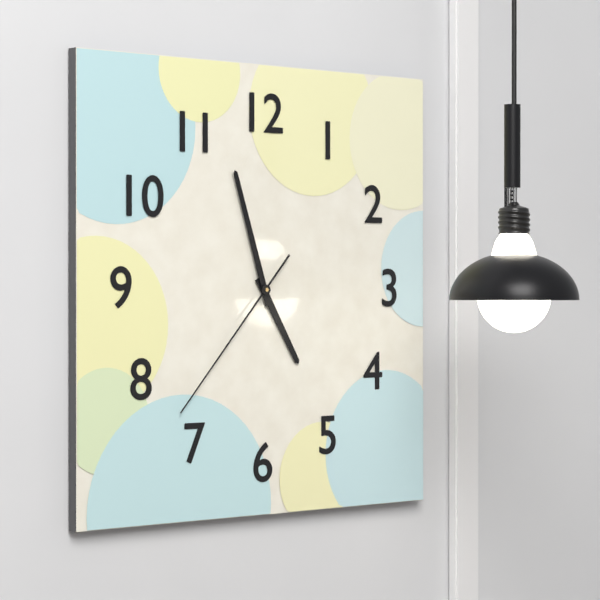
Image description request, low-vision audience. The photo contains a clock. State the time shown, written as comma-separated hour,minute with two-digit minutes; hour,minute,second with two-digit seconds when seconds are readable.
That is 4,57,37
